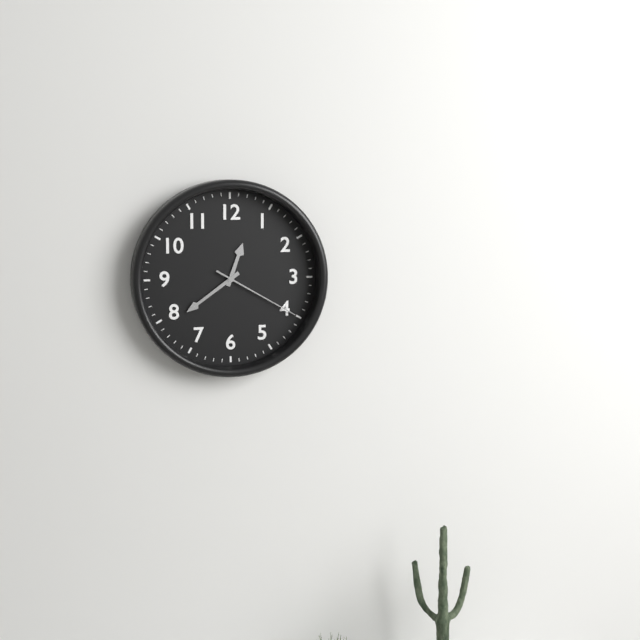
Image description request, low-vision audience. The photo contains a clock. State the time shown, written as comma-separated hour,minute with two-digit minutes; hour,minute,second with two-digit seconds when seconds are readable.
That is 12,39,20
